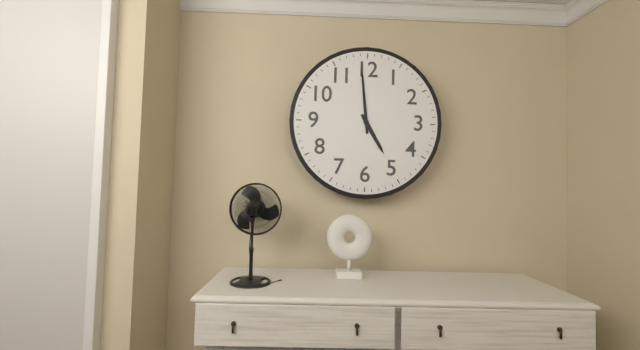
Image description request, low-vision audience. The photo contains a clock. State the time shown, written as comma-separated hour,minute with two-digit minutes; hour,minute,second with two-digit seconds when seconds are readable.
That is 4,59
